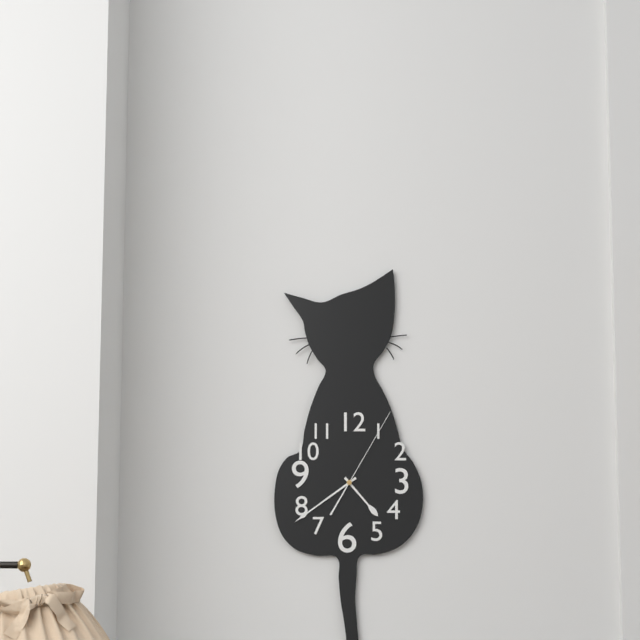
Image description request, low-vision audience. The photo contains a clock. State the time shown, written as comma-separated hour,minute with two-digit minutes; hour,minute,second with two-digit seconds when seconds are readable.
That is 4,39,05
